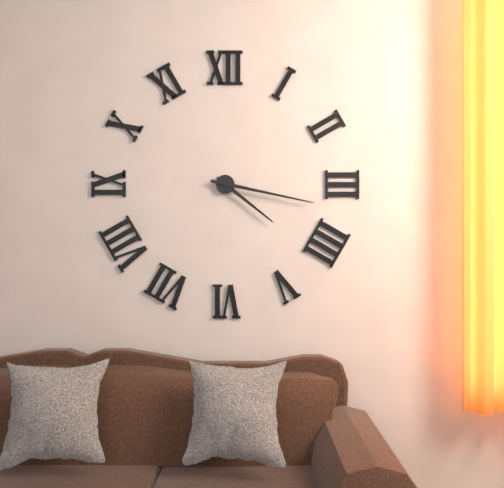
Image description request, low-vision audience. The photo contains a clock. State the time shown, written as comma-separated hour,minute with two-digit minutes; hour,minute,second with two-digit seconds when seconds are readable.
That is 4,17
